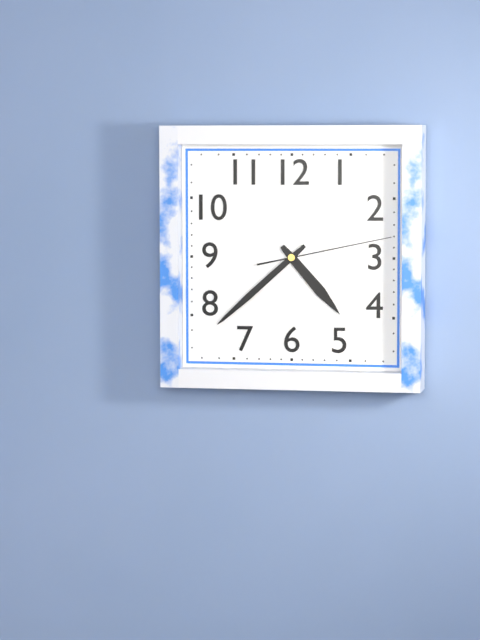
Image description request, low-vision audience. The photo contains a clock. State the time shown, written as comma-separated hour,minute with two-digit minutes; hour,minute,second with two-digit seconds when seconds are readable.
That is 4,38,13
